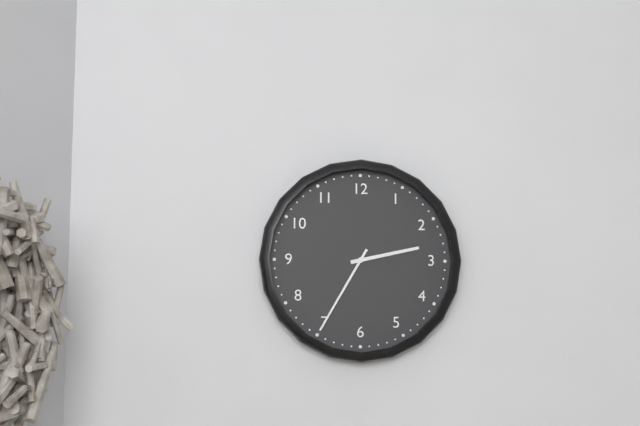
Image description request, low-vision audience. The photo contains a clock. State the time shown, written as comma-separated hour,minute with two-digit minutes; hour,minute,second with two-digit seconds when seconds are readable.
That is 2,35
